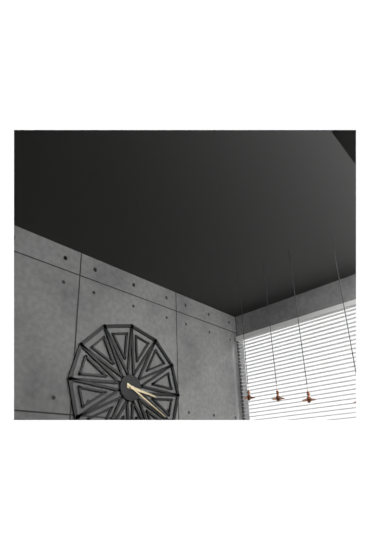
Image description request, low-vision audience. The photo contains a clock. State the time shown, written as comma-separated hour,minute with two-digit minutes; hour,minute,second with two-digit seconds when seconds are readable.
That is 3,20
